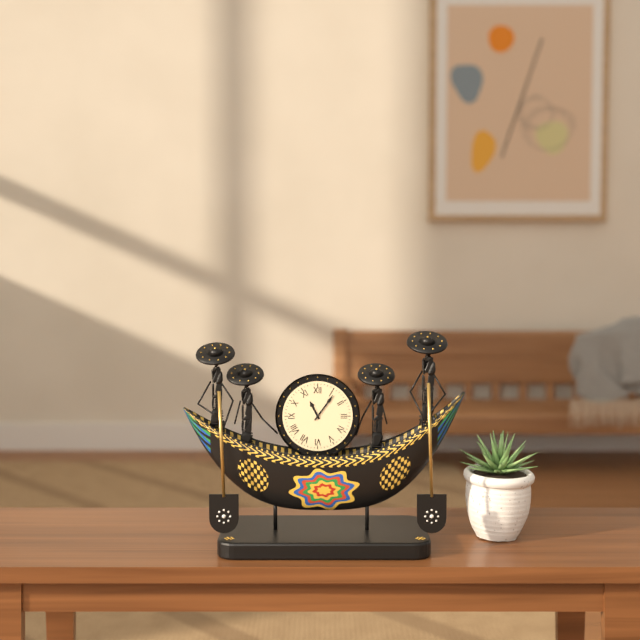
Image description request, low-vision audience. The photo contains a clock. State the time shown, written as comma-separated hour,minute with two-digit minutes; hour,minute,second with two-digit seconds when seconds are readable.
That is 11,06
